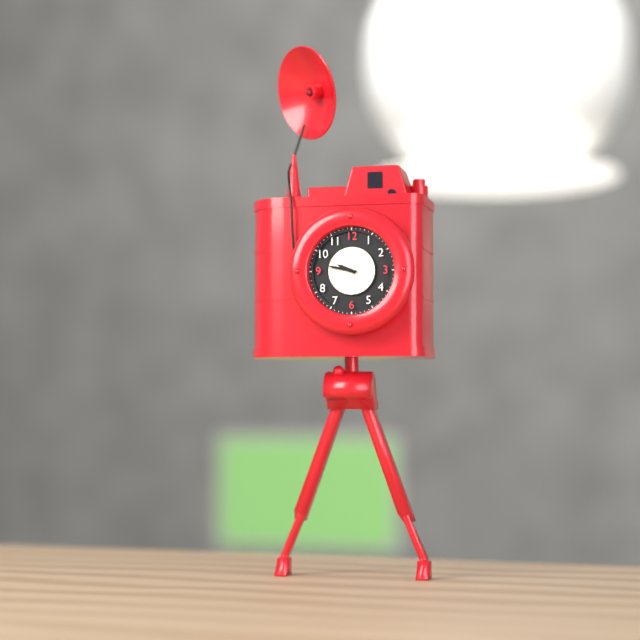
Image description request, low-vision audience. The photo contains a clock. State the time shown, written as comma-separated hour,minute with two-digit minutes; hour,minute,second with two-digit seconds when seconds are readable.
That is 9,47
